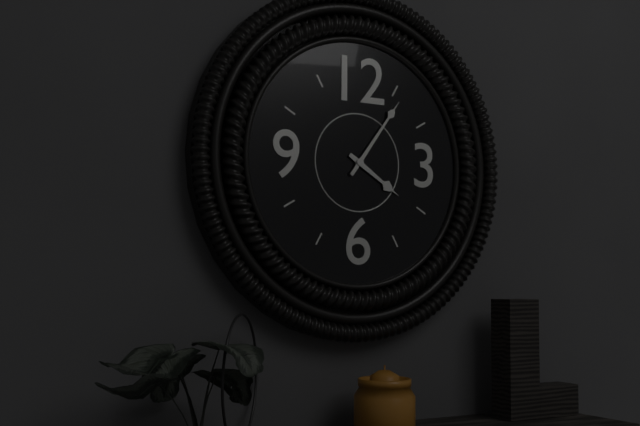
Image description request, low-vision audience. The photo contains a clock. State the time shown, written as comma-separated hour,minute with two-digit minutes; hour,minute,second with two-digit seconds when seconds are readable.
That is 4,06
